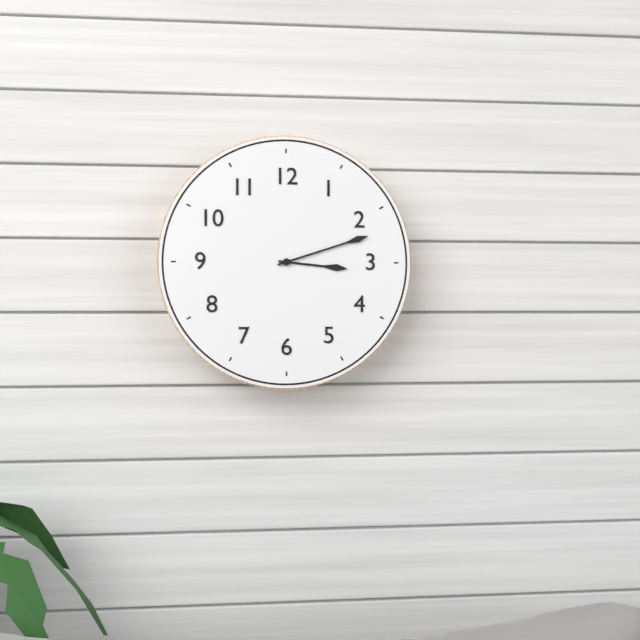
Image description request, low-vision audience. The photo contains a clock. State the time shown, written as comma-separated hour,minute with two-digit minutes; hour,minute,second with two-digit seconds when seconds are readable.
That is 3,12
